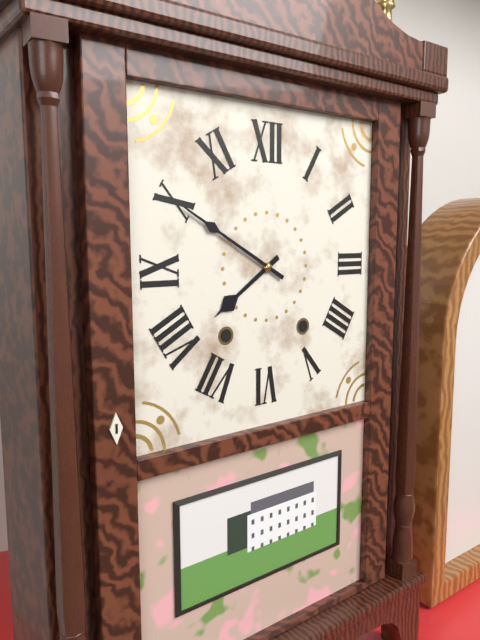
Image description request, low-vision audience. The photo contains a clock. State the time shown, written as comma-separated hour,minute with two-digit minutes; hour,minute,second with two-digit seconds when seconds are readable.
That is 7,50
